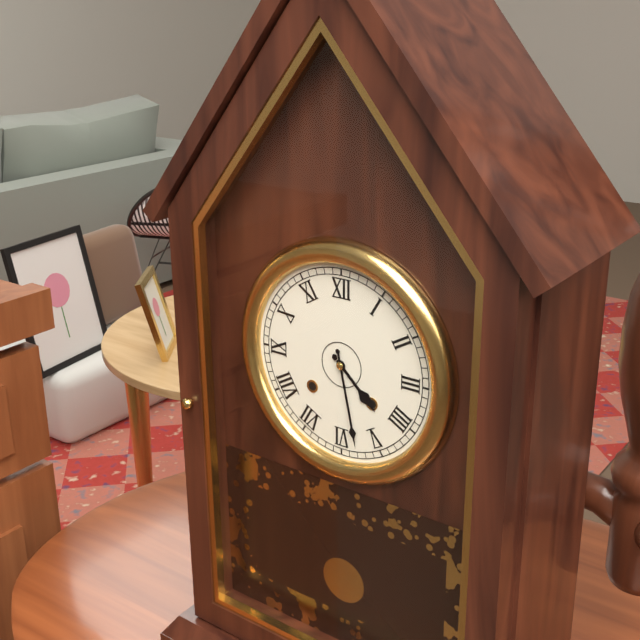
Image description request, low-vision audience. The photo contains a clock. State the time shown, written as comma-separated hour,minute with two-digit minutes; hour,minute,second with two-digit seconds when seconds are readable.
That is 4,28
